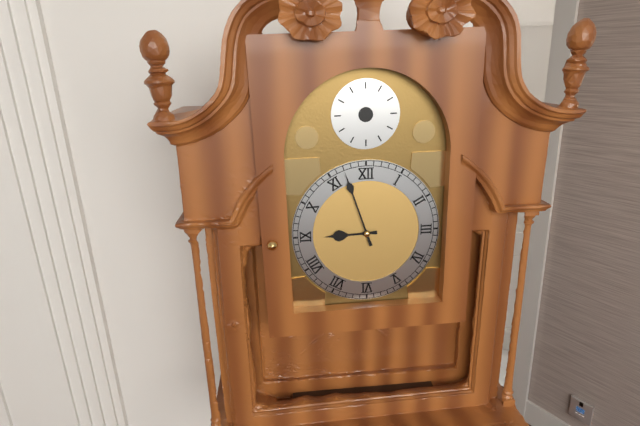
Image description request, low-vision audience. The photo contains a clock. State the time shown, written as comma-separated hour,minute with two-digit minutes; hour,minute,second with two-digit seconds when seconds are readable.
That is 8,57
